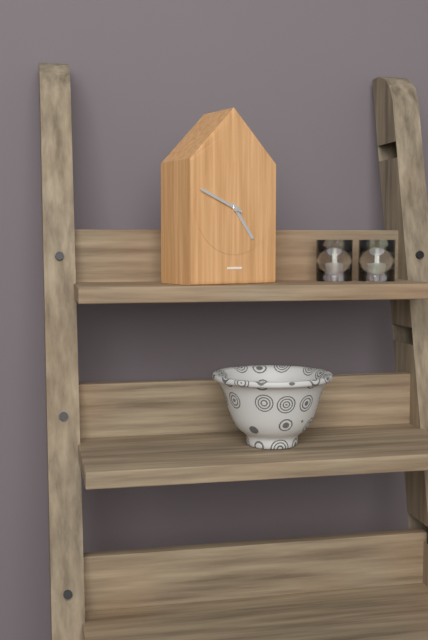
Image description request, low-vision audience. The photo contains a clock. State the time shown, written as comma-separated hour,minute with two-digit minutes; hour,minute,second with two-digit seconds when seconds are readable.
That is 4,49
